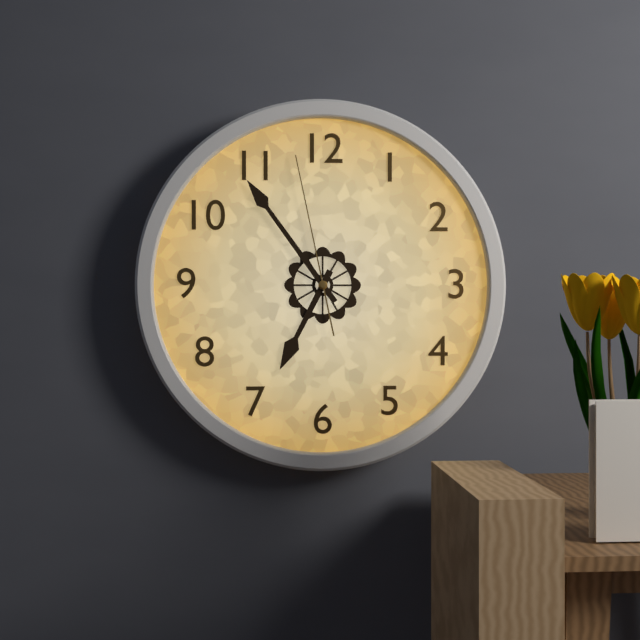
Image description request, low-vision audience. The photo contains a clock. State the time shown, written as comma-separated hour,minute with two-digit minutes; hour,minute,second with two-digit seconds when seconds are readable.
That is 6,54,58
